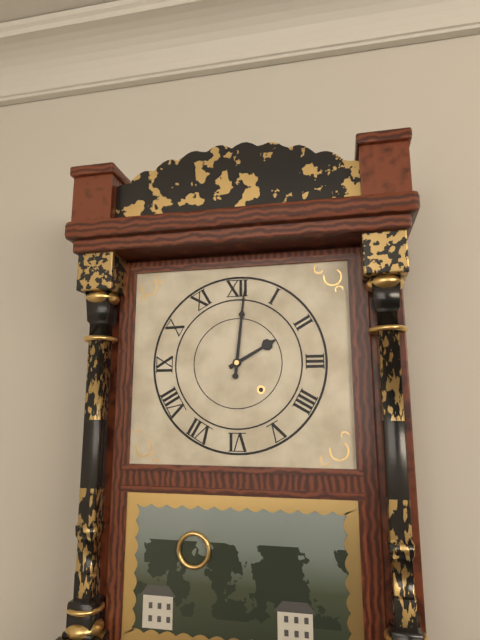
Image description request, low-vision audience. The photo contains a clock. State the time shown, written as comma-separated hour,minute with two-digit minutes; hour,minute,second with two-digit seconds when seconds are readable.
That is 2,01
